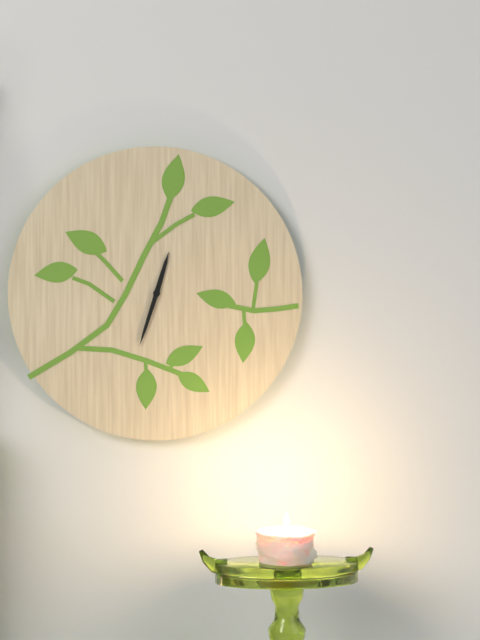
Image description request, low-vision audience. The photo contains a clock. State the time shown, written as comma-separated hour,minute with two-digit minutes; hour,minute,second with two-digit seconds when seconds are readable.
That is 12,33
